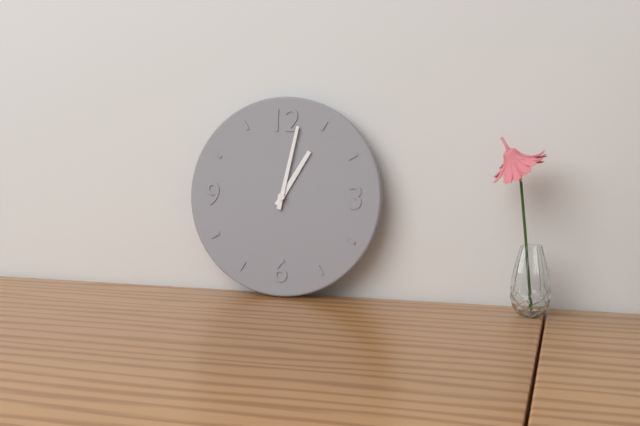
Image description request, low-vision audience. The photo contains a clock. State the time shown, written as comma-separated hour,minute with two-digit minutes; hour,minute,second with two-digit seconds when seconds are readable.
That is 1,02
